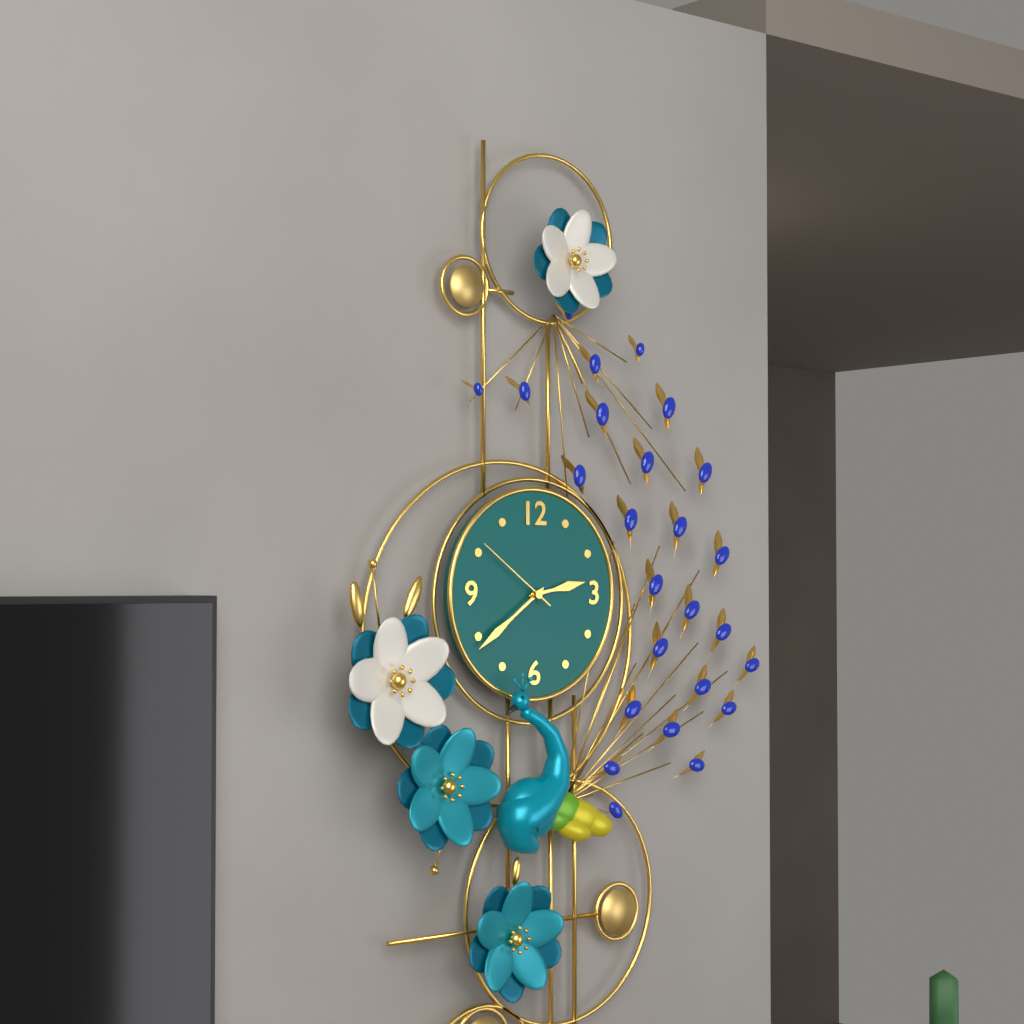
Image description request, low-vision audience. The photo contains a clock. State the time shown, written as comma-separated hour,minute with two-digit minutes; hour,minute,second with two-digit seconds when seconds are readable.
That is 2,39,51
